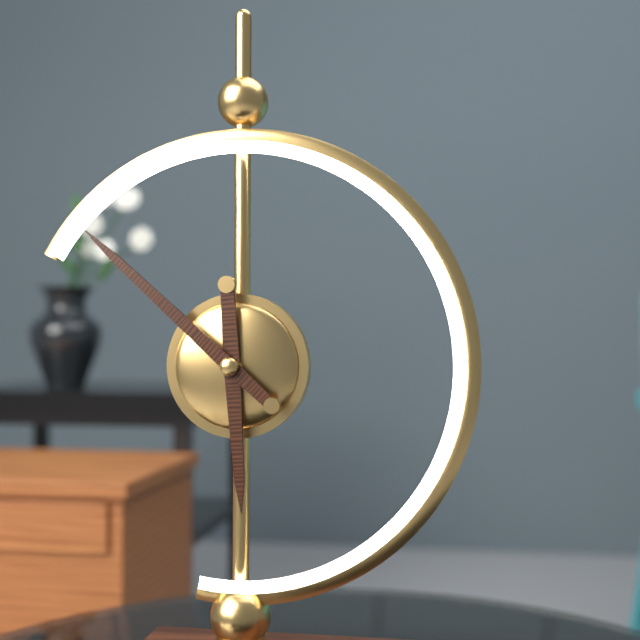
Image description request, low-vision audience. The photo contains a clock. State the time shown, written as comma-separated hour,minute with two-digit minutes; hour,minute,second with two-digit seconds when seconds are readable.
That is 5,52
